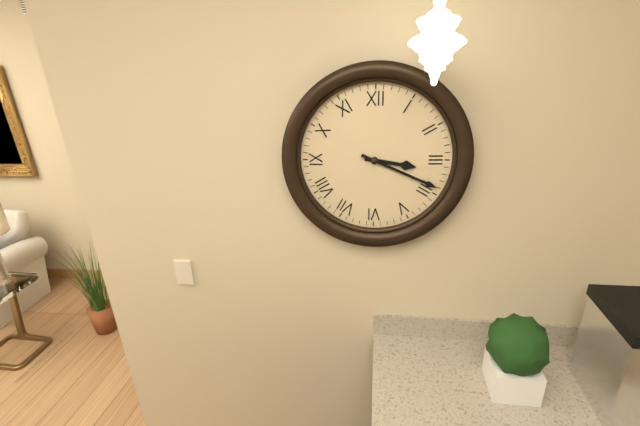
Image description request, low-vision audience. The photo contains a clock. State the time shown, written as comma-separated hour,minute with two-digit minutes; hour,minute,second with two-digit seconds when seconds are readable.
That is 3,19
